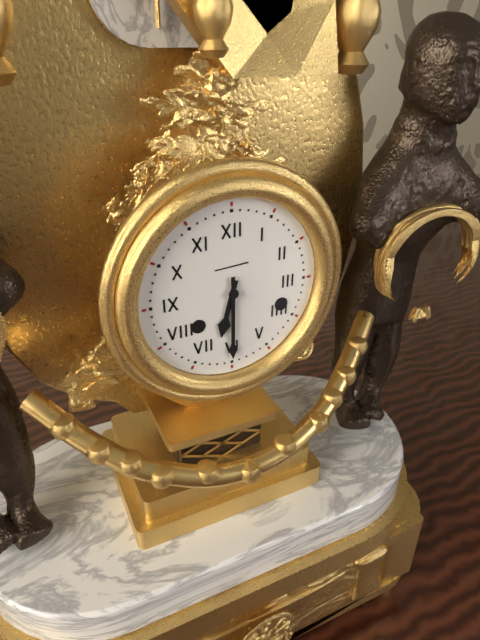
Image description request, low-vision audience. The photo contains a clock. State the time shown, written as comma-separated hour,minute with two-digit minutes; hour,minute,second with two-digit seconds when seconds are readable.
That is 6,30
